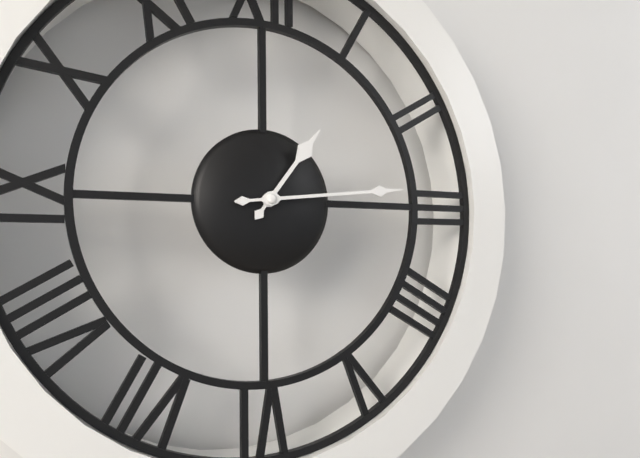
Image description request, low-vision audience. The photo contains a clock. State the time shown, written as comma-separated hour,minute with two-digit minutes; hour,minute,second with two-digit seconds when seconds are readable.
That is 1,14
